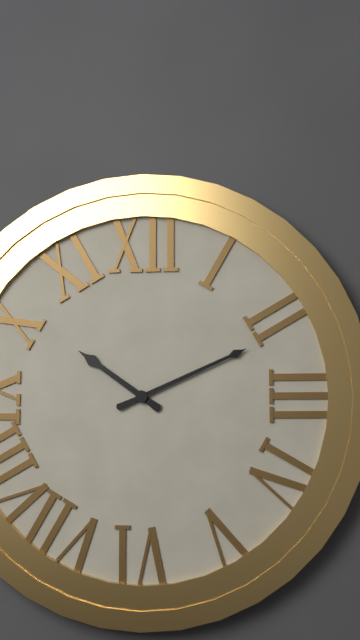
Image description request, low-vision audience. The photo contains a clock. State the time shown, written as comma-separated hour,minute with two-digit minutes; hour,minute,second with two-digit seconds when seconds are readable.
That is 10,11
